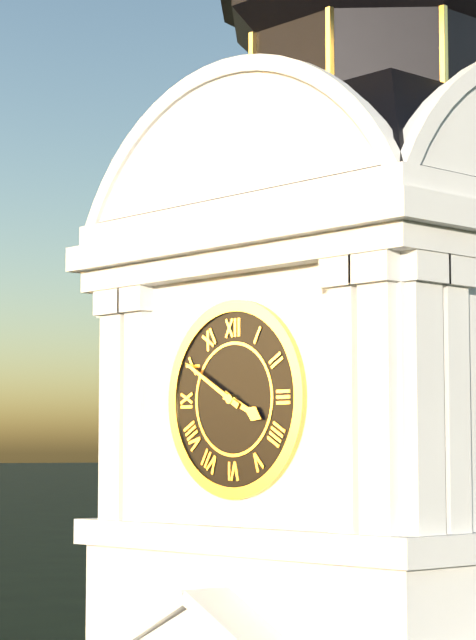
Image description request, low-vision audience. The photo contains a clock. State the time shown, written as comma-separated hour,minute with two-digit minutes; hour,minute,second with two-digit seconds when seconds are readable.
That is 3,50
